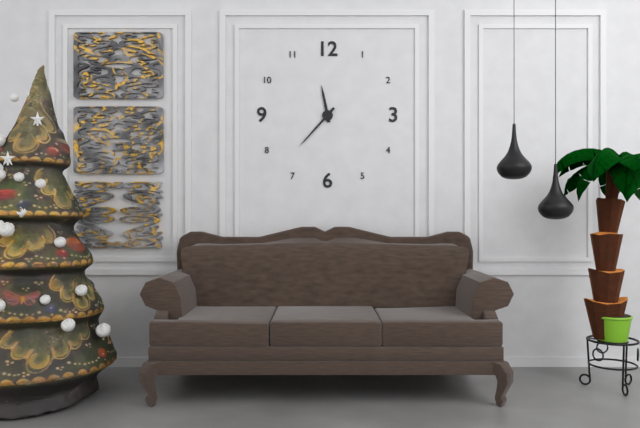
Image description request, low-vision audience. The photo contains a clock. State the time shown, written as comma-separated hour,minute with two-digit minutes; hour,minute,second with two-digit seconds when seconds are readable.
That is 11,37
